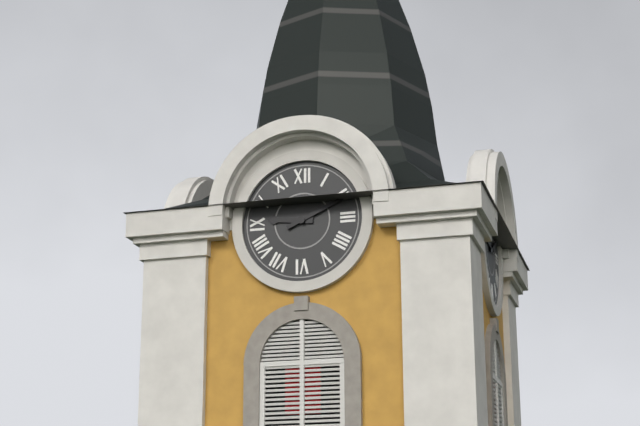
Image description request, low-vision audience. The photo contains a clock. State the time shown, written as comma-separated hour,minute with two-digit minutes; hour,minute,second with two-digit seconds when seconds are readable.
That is 9,11
